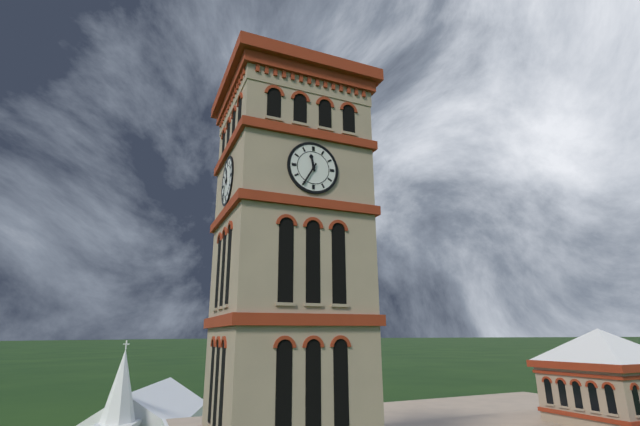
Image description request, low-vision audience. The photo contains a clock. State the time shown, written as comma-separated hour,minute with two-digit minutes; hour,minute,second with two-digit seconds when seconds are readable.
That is 11,35
